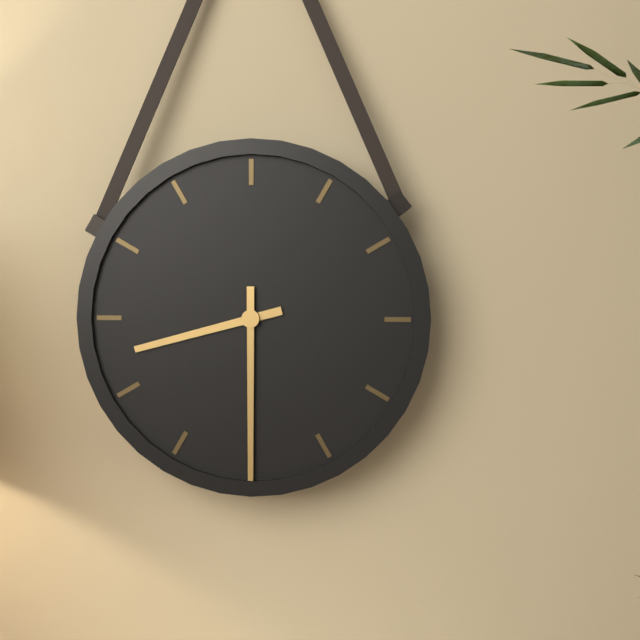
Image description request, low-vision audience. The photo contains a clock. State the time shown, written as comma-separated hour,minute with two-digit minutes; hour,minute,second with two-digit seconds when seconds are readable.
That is 8,30
